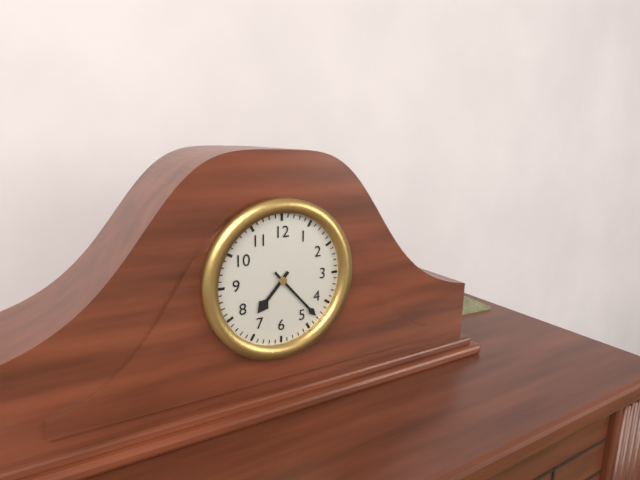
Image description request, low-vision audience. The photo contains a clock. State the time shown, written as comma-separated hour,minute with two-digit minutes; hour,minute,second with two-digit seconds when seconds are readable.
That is 7,23
